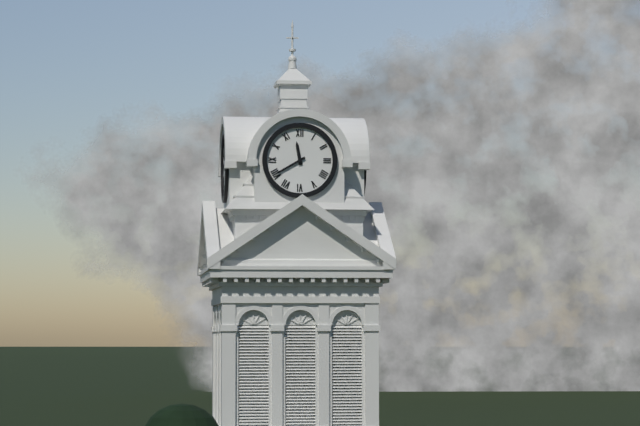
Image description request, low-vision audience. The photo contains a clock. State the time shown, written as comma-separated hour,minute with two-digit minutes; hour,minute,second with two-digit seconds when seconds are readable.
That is 11,40
